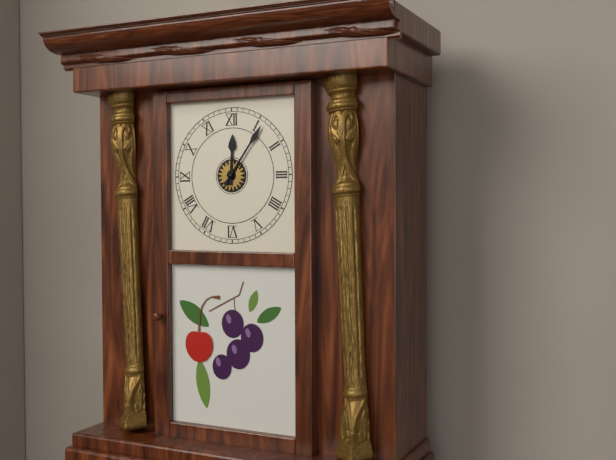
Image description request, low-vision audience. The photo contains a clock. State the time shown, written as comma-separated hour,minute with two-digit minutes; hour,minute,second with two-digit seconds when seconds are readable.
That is 12,06
